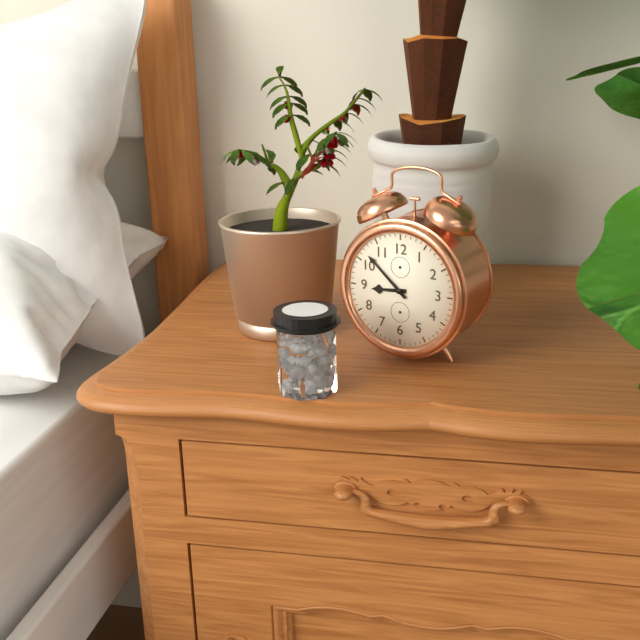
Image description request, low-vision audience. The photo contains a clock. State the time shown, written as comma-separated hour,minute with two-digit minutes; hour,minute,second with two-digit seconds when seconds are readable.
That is 8,52
